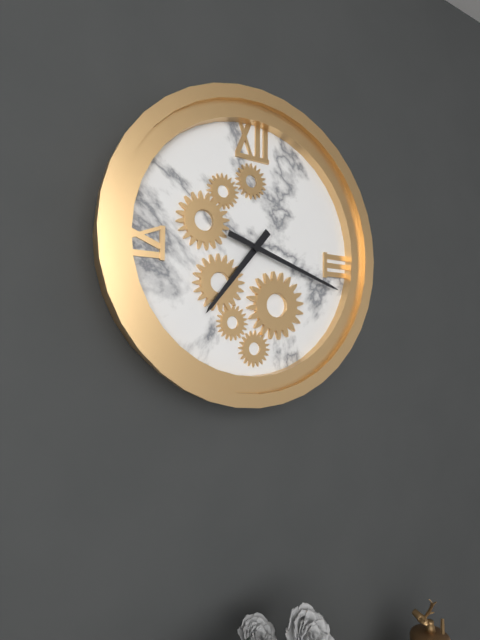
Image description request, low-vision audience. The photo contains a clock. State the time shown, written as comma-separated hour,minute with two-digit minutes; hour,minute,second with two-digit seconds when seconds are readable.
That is 7,18
